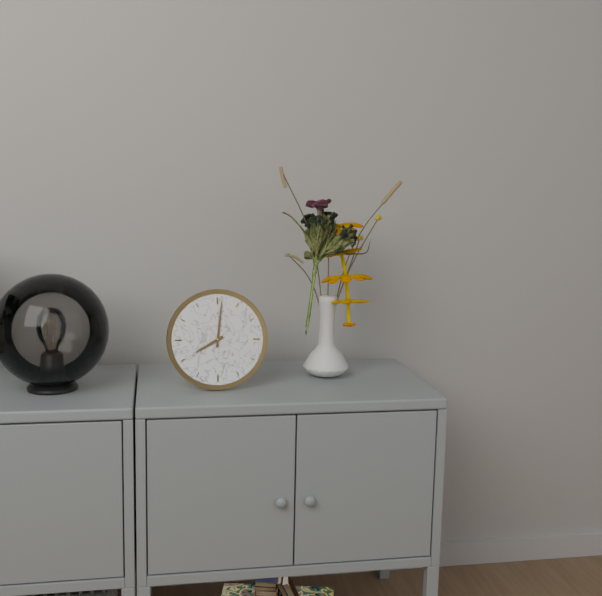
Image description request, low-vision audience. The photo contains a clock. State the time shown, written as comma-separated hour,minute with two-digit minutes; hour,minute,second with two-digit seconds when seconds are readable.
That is 8,01
